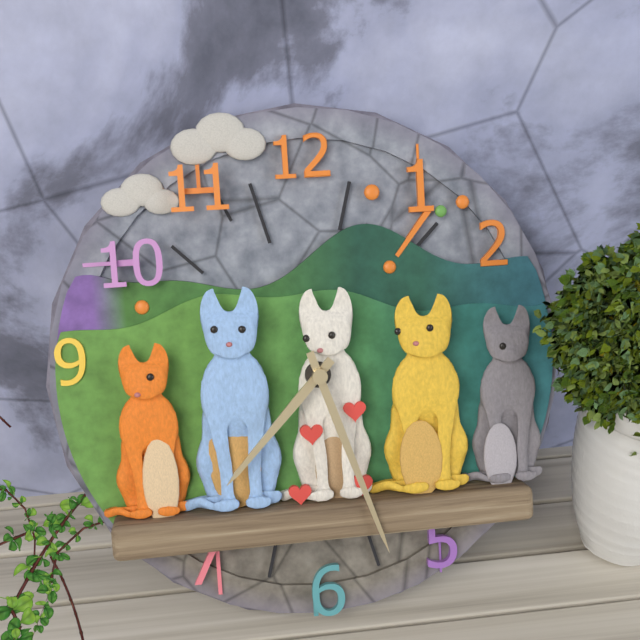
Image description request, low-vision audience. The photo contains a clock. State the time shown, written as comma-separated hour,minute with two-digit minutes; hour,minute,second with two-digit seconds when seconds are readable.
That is 7,27
